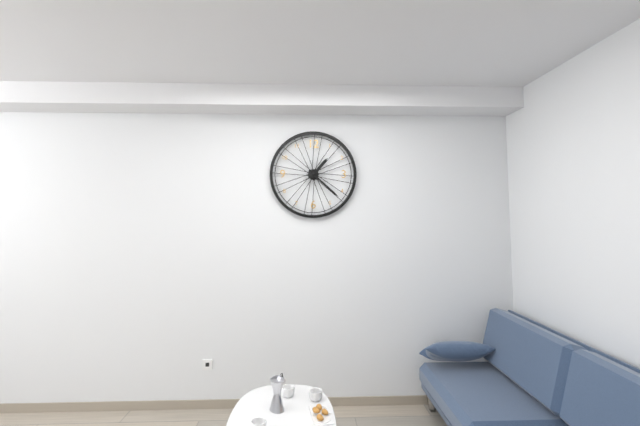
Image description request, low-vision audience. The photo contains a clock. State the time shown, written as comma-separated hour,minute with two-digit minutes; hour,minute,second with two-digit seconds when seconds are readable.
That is 1,22
